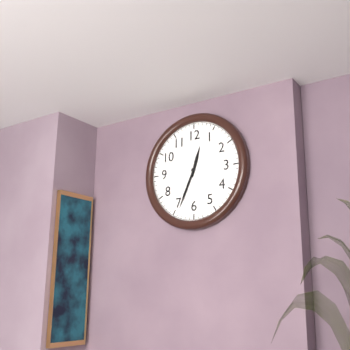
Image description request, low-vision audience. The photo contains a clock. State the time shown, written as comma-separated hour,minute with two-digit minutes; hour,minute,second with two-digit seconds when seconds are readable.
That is 12,34
